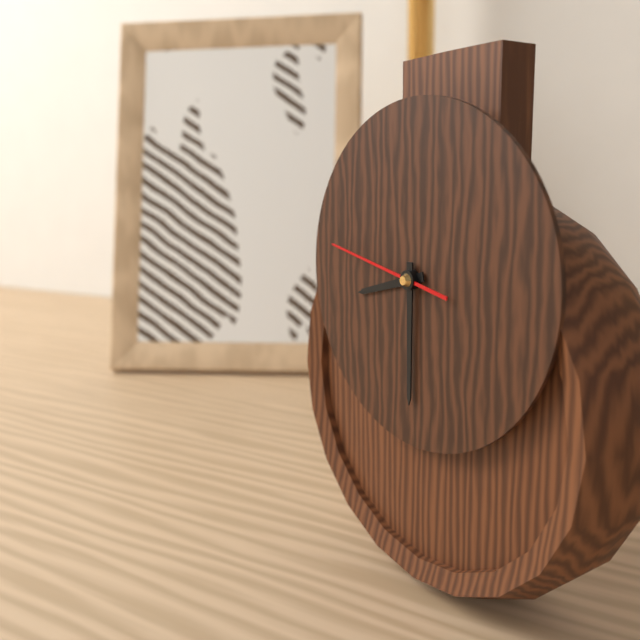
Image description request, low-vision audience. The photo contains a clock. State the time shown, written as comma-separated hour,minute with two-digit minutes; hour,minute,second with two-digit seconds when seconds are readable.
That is 8,30,47
